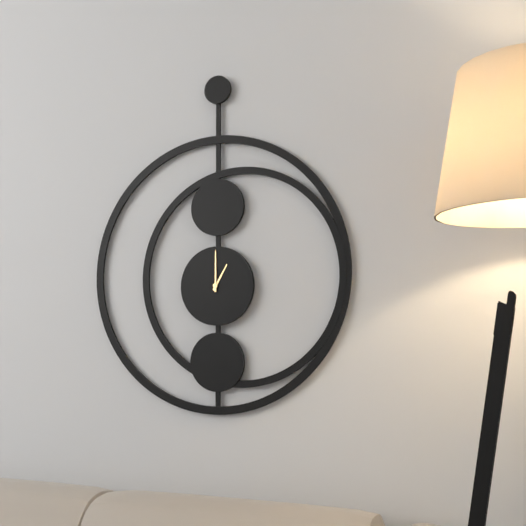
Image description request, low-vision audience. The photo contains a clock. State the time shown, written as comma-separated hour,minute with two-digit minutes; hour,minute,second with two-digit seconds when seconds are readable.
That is 1,00
